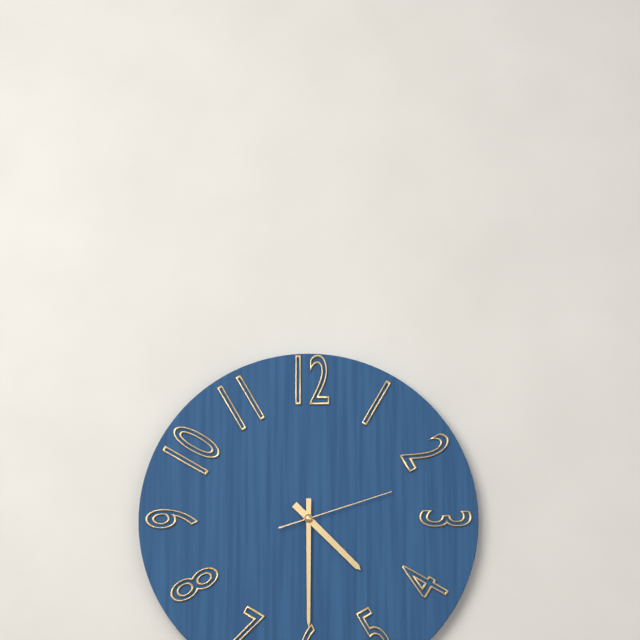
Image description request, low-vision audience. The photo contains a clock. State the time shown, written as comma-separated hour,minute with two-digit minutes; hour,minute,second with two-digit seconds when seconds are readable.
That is 4,30,12
